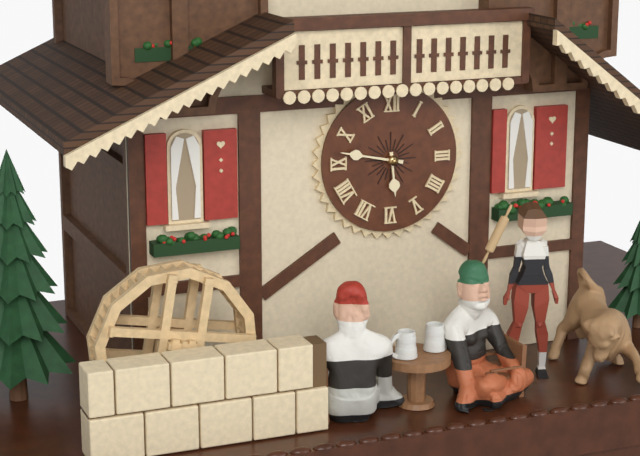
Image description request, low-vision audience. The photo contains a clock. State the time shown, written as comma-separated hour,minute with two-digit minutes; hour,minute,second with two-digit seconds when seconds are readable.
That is 5,47
